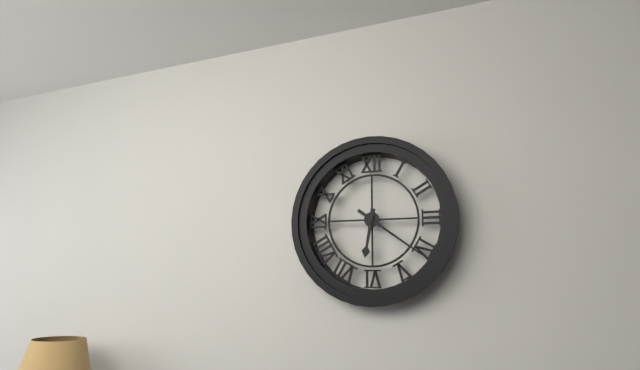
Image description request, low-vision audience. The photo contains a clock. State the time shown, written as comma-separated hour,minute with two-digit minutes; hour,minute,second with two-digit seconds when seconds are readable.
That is 6,21
